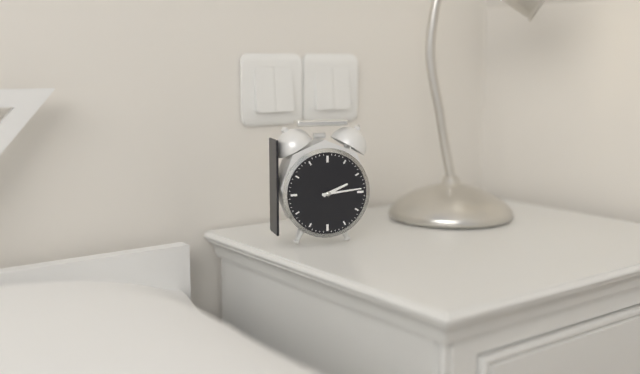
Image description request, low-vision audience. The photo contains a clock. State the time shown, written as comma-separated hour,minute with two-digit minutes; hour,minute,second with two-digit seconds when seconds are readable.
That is 2,14
